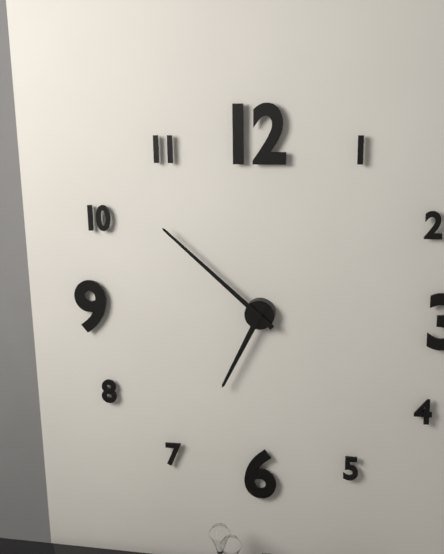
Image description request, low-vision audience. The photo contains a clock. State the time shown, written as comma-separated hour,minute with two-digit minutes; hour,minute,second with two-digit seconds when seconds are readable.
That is 6,52
